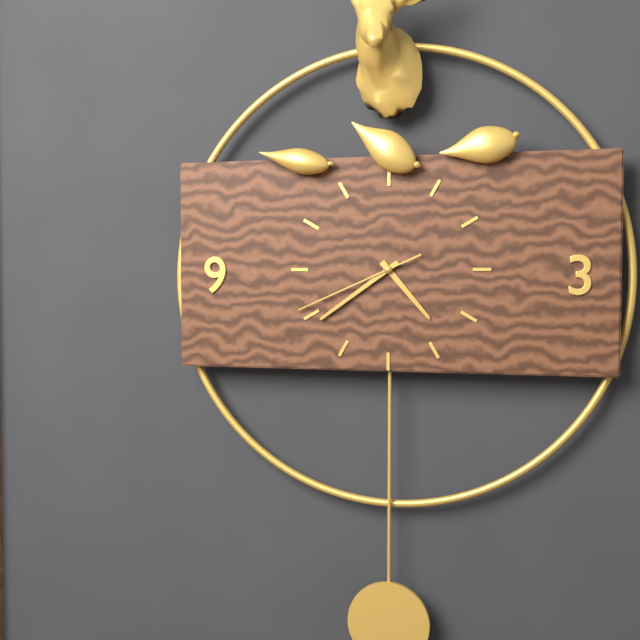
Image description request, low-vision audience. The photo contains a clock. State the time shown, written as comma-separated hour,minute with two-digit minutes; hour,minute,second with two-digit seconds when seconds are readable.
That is 4,39,41
